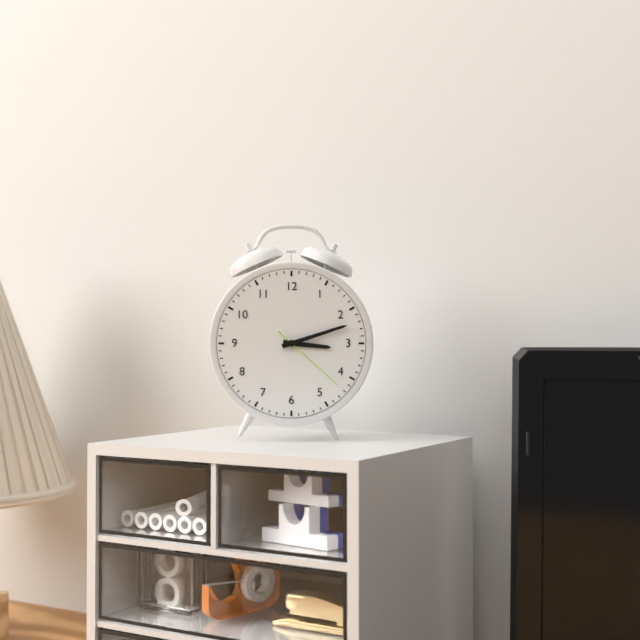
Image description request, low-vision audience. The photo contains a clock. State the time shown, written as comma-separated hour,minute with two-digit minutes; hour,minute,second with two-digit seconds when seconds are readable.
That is 3,12,22
